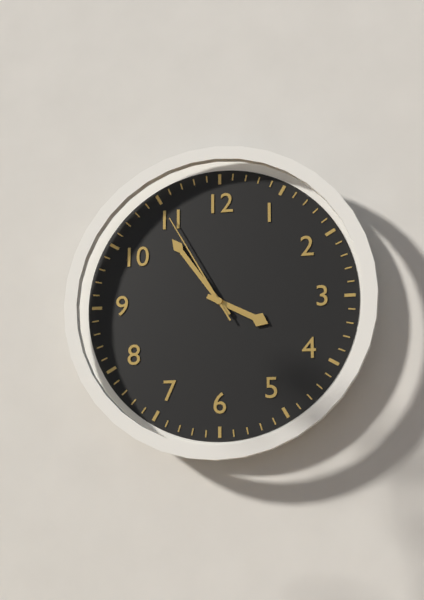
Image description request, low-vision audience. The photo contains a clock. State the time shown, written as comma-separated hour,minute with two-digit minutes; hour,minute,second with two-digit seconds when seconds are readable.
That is 3,54,55
